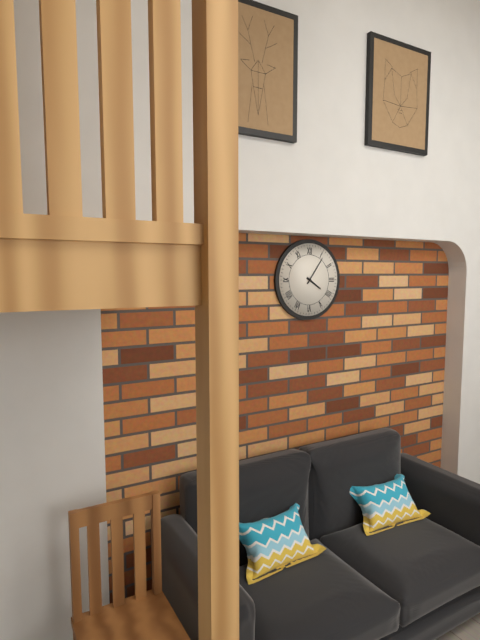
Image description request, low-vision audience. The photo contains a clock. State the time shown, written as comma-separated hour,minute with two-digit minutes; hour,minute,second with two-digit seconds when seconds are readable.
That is 4,06
